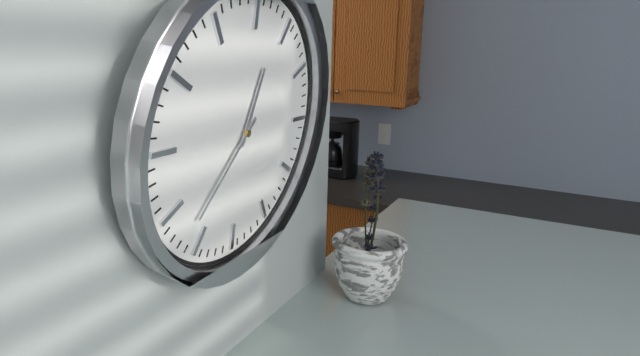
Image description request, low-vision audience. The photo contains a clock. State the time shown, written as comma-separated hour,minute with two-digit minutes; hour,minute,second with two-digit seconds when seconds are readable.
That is 12,37
